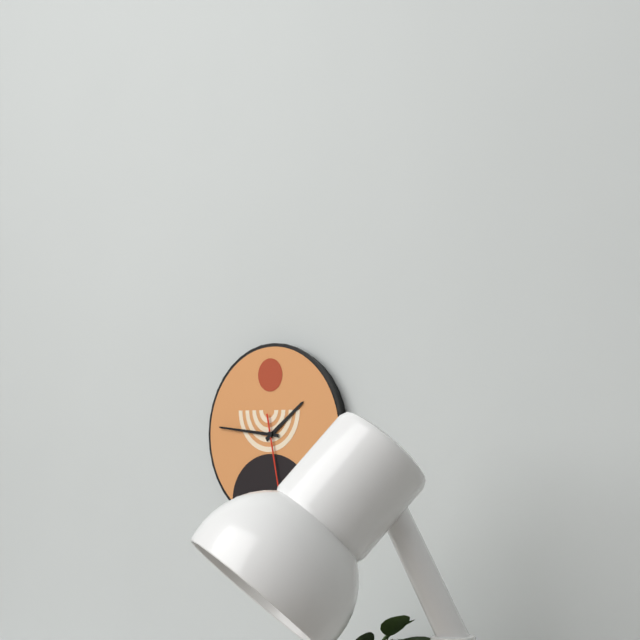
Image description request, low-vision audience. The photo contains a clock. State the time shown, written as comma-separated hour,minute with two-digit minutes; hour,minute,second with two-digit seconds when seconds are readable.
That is 1,46,28
